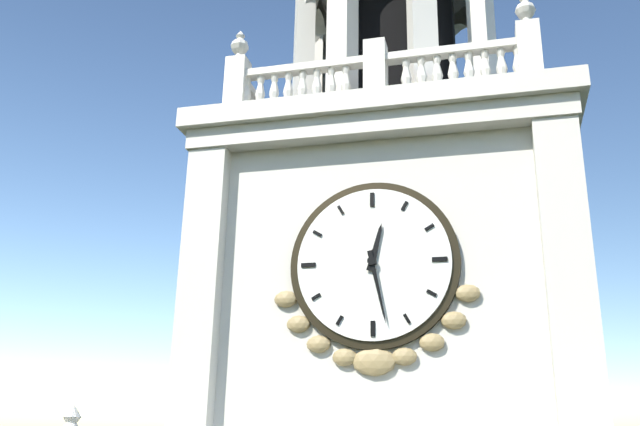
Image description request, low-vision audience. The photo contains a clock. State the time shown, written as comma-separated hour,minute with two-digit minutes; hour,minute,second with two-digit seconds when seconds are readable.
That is 12,28
